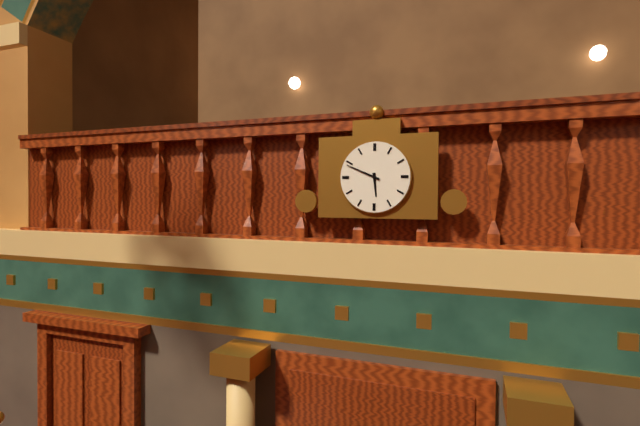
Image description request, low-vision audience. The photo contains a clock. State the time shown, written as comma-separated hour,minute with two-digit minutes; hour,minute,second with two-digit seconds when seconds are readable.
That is 5,49
